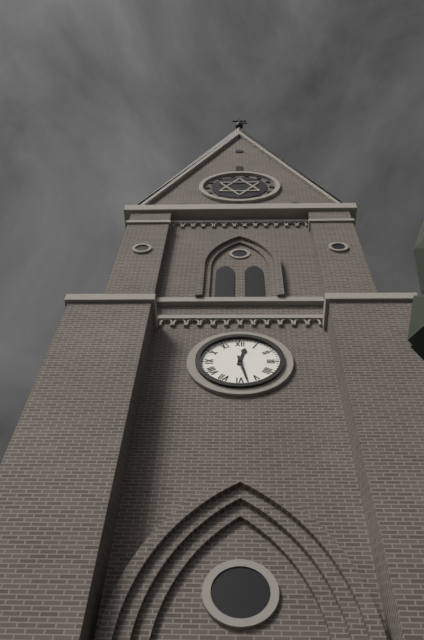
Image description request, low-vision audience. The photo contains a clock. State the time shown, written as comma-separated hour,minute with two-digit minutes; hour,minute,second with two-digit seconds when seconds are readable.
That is 12,28
